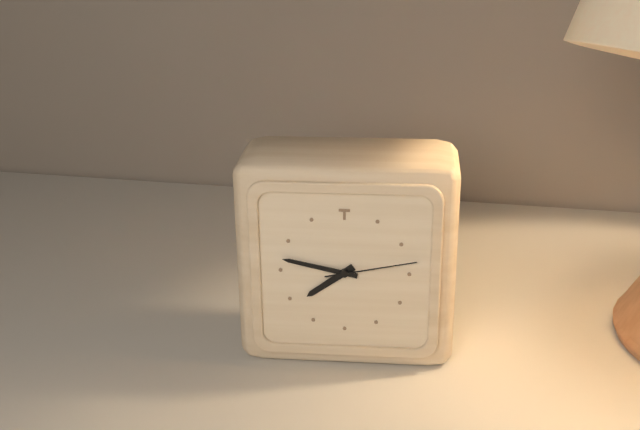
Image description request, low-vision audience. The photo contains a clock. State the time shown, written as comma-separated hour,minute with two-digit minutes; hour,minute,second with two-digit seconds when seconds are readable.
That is 7,47,13
